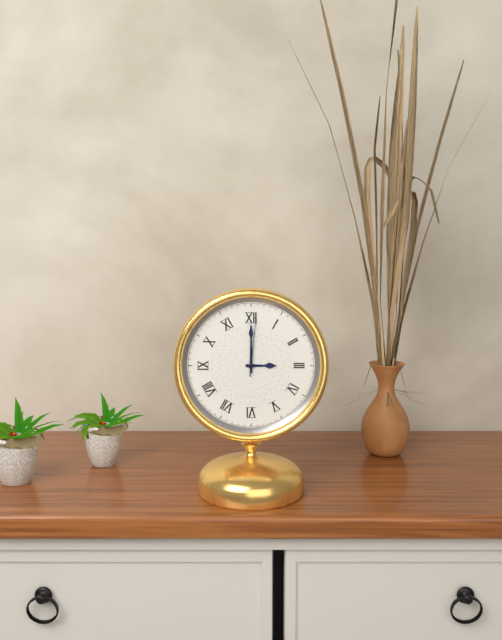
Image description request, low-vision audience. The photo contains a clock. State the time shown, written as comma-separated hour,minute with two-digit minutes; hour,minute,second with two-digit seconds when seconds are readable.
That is 3,00,01
